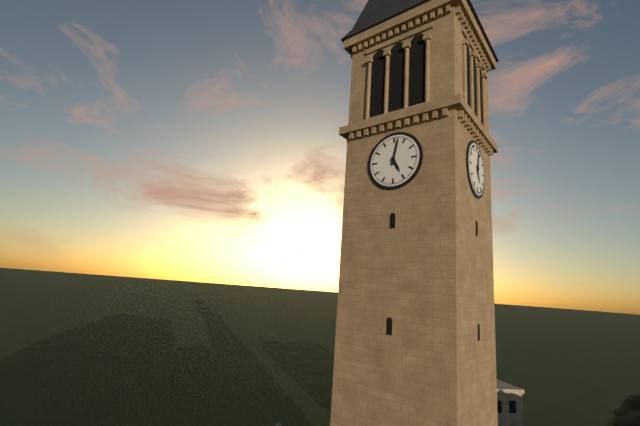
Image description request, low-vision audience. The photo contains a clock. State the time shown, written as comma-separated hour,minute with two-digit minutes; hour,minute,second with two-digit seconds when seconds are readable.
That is 5,02
